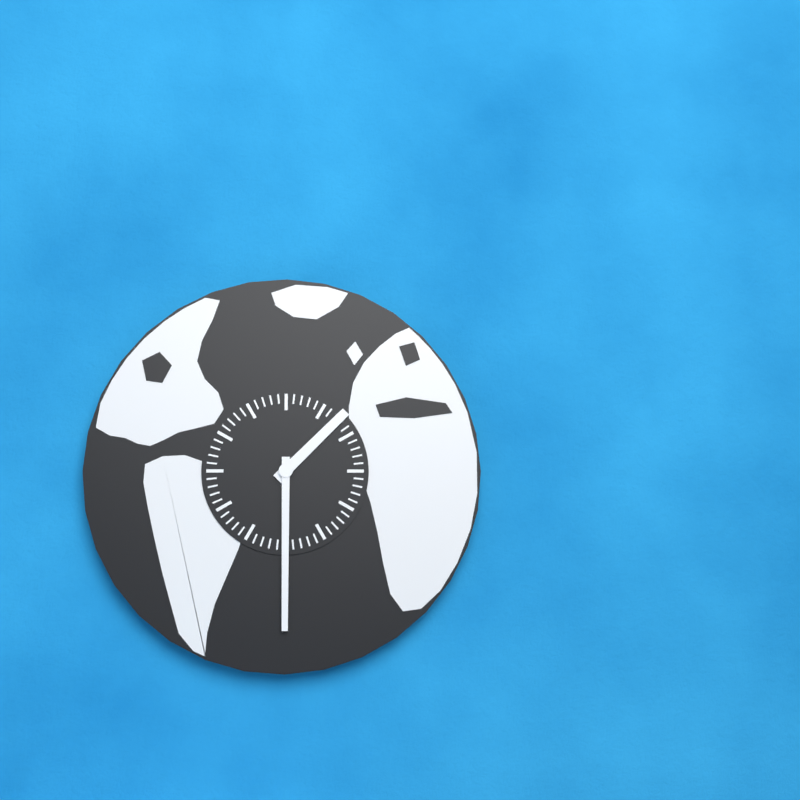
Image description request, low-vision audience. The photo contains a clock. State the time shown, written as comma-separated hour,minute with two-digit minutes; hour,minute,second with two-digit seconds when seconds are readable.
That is 1,30
